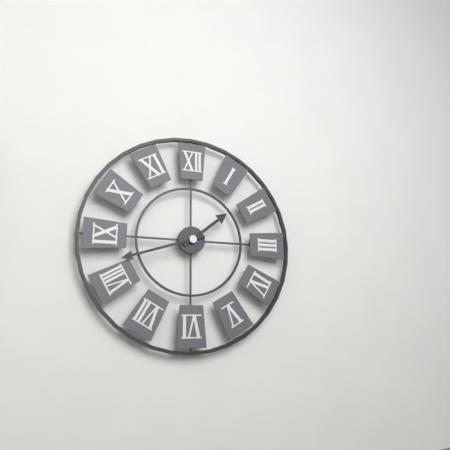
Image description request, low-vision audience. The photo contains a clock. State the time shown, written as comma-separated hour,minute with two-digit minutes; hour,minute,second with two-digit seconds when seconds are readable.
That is 1,42
